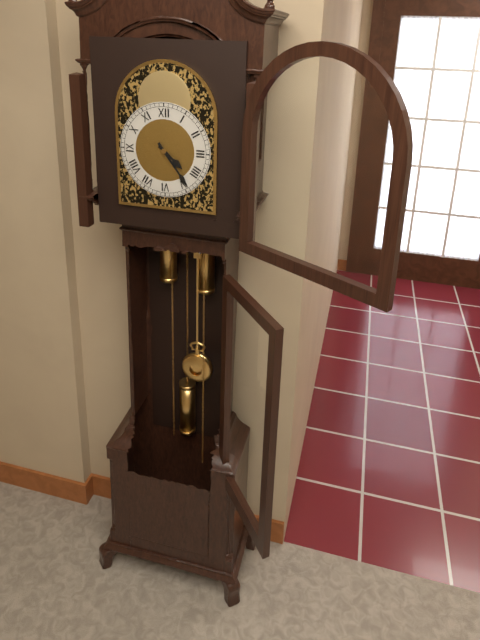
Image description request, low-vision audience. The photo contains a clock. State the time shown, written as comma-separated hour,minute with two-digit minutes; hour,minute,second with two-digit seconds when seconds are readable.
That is 4,24
